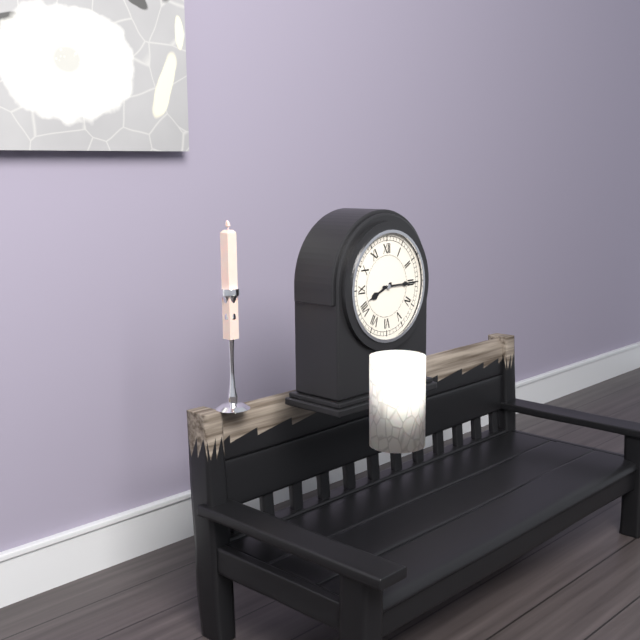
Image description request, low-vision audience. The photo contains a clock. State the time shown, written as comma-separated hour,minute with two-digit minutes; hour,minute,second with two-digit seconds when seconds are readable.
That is 8,15
